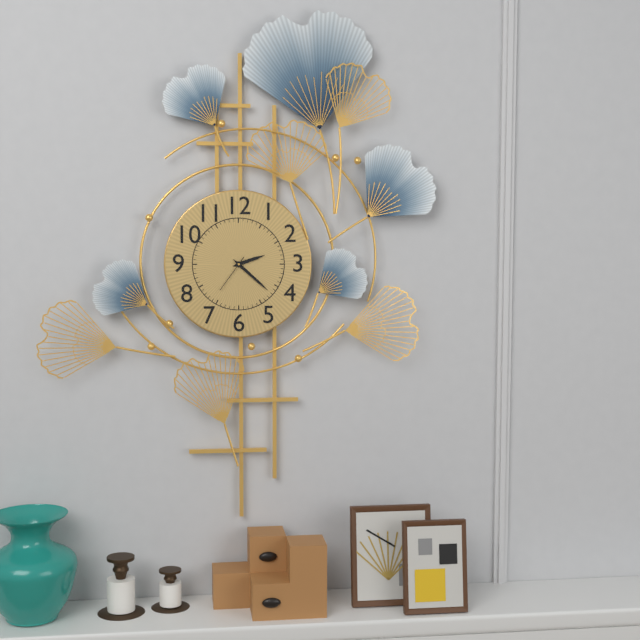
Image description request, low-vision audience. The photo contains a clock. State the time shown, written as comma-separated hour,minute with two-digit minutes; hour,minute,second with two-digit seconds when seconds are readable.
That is 2,22
